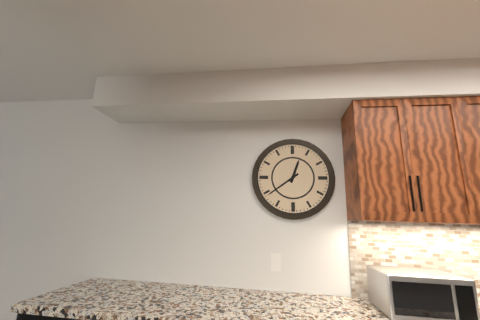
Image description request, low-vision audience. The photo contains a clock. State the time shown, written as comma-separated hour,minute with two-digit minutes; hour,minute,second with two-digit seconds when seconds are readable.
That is 12,39
